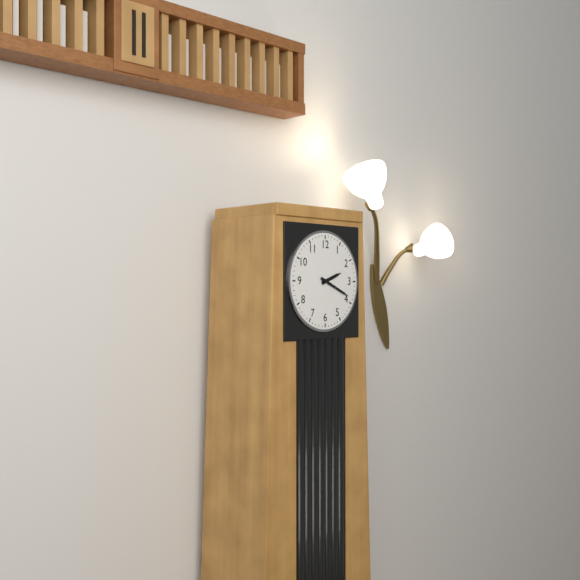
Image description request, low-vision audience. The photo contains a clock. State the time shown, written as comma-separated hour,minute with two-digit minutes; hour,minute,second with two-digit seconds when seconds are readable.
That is 2,19
